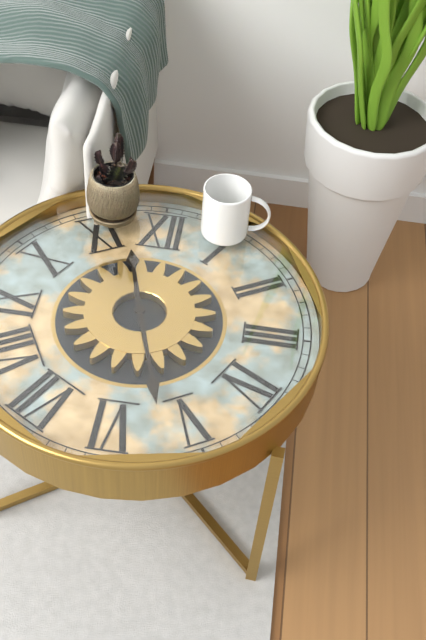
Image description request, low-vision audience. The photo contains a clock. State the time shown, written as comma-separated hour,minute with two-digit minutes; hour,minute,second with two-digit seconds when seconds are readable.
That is 11,27
